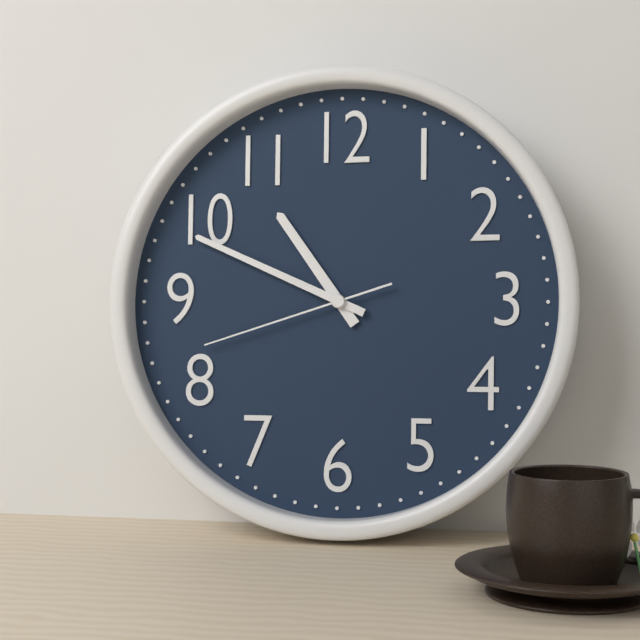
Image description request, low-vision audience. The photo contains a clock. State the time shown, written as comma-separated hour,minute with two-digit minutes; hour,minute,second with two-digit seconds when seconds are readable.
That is 10,49,42
